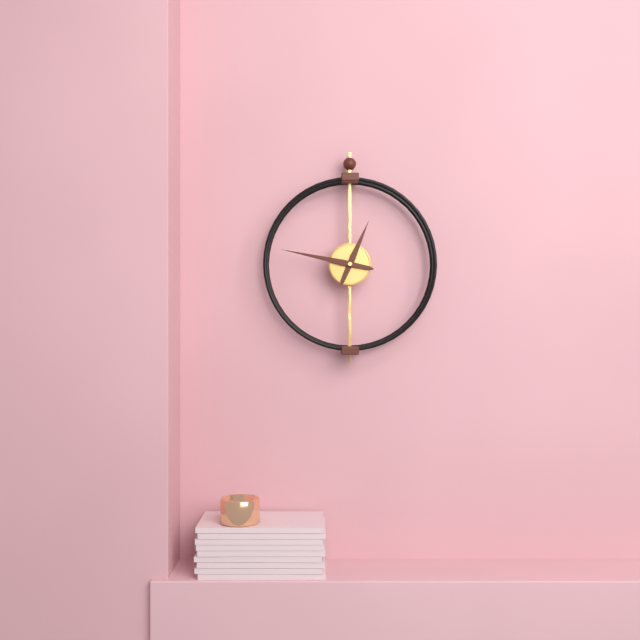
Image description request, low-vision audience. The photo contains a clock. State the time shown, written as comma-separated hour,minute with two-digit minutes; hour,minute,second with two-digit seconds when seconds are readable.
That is 12,47
